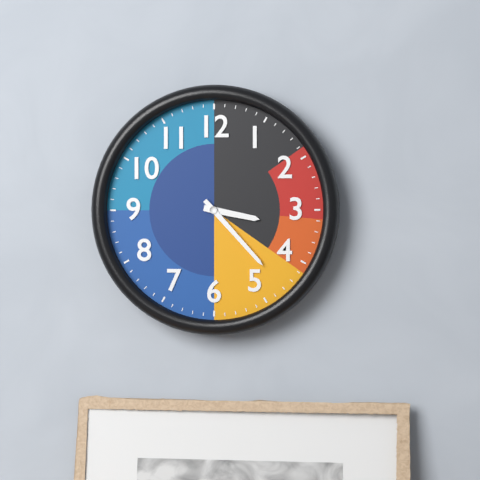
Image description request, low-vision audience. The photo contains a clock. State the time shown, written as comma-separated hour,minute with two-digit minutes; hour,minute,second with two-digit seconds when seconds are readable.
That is 3,23
